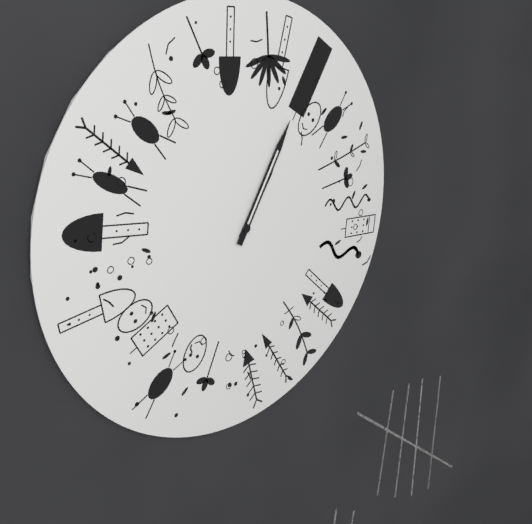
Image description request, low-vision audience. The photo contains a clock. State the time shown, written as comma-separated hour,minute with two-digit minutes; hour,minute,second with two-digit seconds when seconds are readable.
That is 1,05
